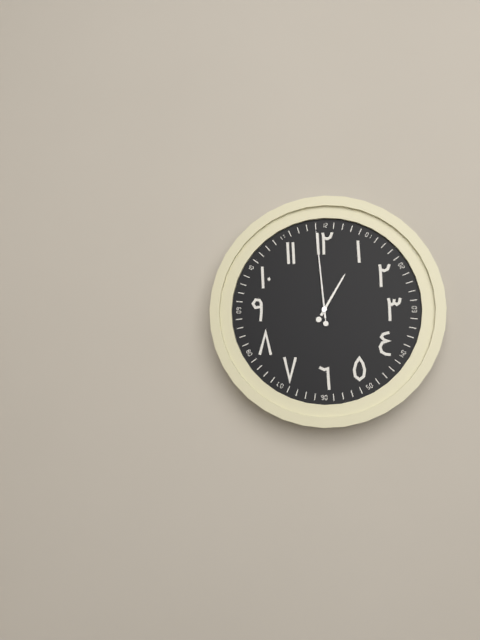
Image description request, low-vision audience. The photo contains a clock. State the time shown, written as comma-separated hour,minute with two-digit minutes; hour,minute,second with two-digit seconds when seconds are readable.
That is 12,59,59
